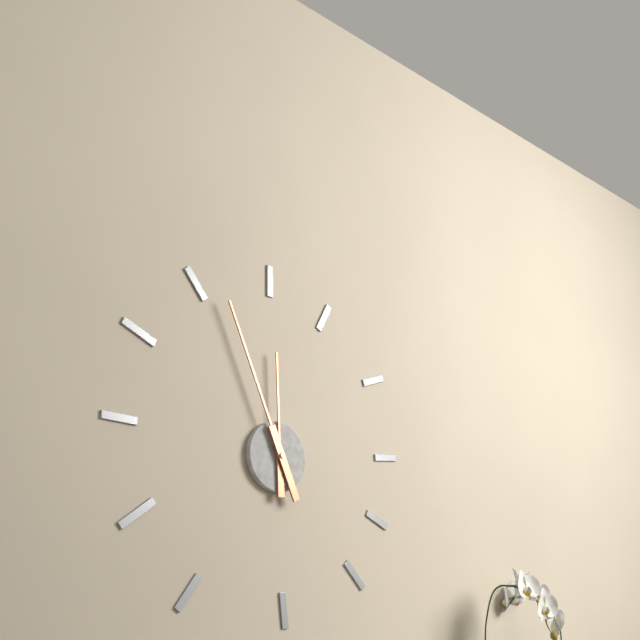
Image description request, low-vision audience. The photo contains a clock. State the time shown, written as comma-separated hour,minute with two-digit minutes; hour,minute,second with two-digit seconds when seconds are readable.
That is 11,56
